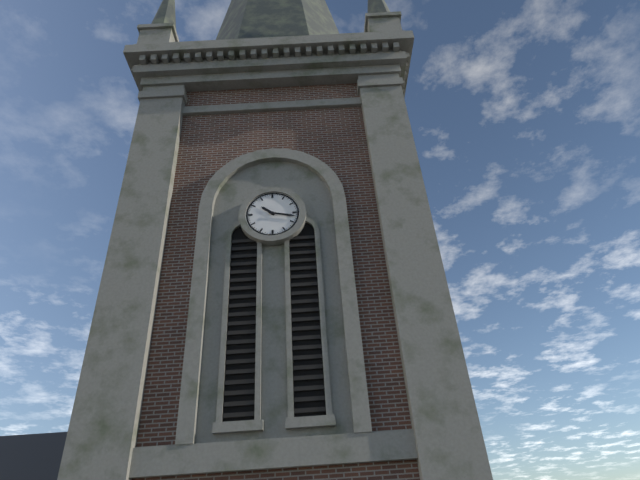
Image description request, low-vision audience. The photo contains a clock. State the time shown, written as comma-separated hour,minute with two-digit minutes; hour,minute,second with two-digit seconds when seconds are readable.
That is 10,17
